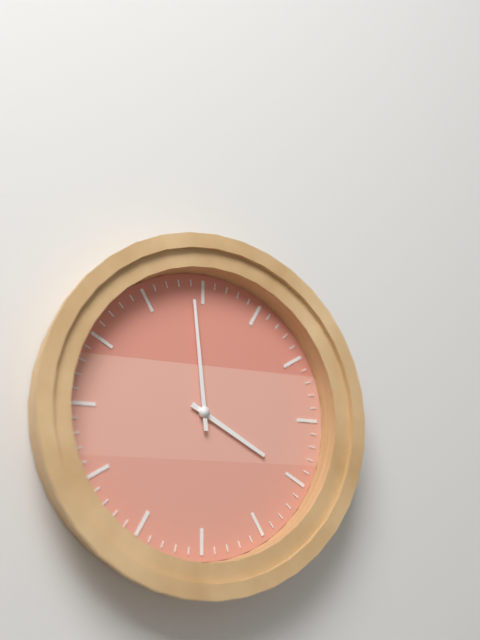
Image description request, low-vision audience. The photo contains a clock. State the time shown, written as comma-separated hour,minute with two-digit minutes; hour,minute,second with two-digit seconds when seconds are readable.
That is 3,59
